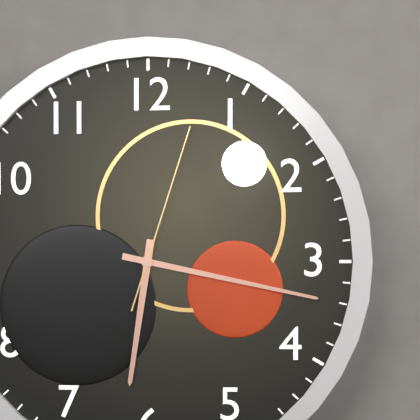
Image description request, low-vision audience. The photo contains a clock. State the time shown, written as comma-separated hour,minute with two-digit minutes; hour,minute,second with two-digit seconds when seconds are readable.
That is 6,17,03
